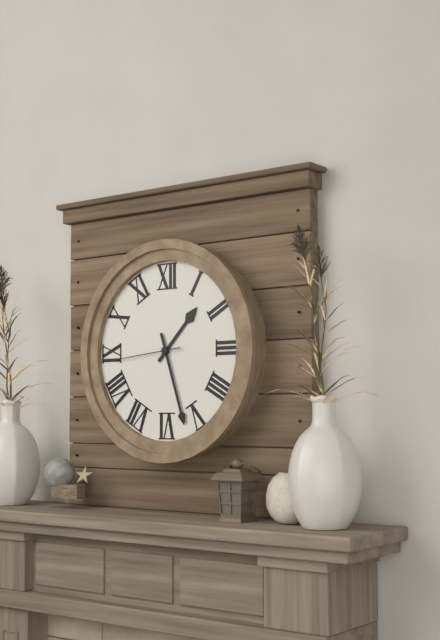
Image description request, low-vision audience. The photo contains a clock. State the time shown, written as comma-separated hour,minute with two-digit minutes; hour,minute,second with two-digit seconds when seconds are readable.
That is 1,27,44
